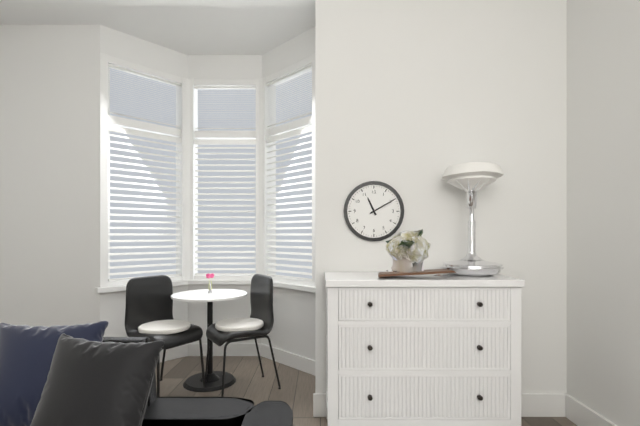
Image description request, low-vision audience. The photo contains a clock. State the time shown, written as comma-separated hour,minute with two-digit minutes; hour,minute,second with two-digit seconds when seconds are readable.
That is 11,10
